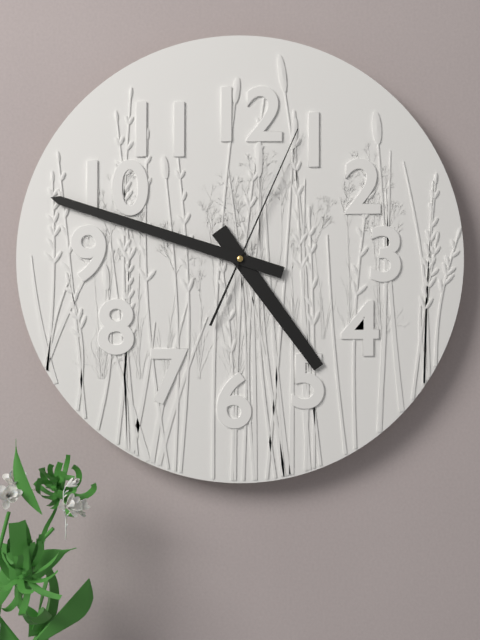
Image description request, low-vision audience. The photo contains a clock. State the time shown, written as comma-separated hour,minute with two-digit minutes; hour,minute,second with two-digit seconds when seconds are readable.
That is 4,48,04
